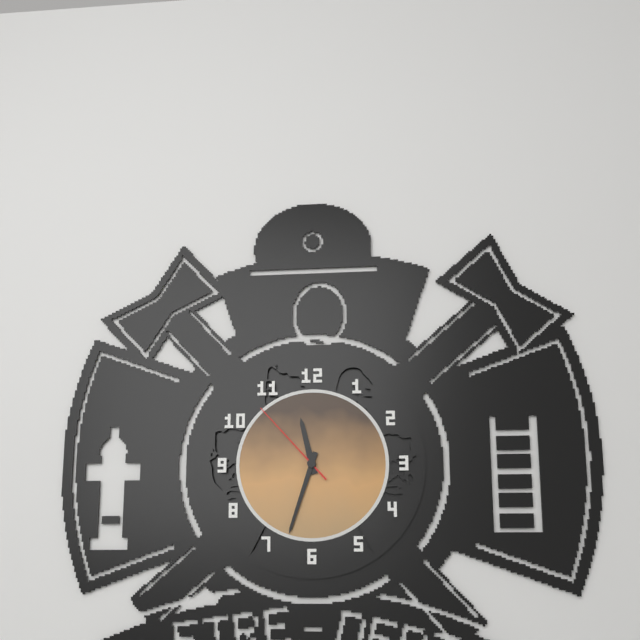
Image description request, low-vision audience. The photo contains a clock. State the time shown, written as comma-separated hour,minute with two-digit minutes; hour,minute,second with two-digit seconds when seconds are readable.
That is 11,33,53
